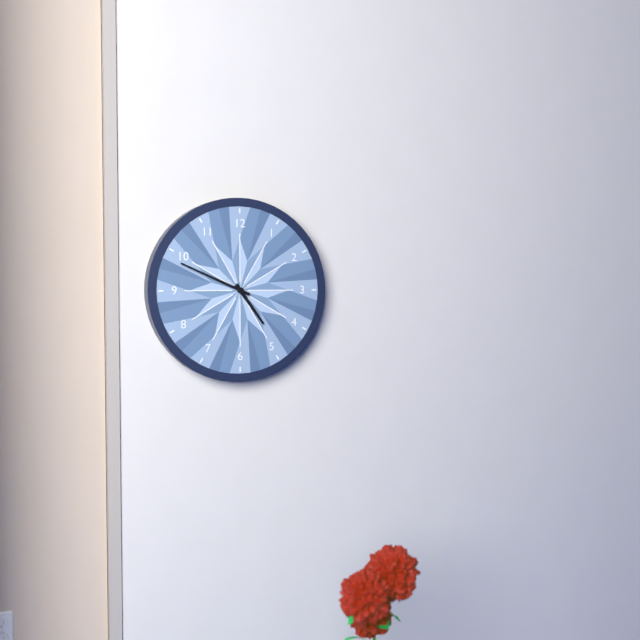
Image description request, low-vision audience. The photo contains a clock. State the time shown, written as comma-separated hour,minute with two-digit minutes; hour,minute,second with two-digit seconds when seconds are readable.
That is 4,49
